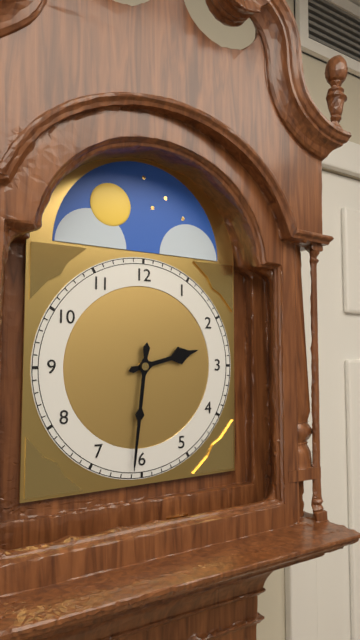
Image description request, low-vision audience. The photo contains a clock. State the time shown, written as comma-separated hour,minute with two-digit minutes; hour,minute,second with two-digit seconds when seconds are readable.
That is 2,31
